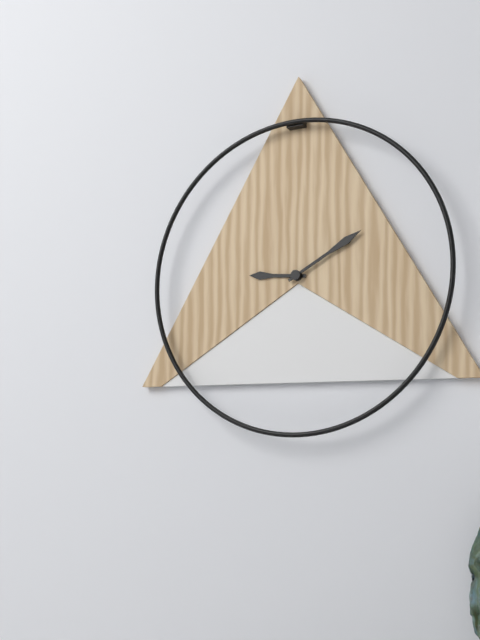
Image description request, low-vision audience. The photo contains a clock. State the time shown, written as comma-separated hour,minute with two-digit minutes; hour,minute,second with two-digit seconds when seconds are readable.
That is 9,10
